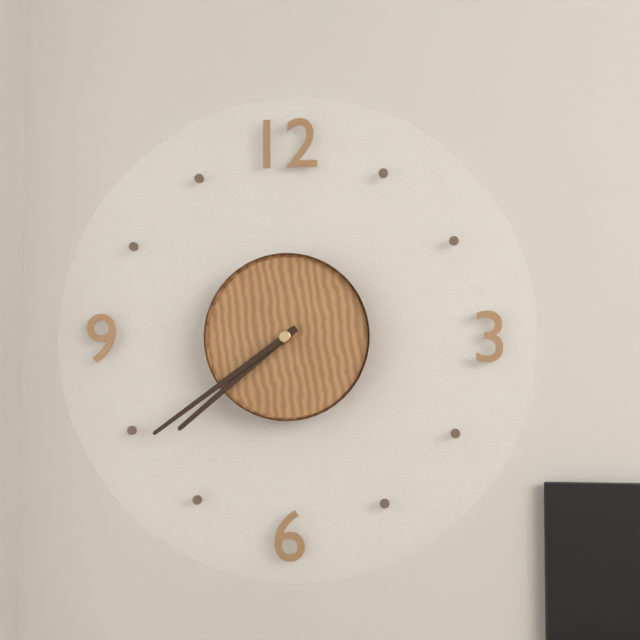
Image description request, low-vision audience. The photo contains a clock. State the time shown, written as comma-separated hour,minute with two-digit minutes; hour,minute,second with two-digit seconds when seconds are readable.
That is 7,39
